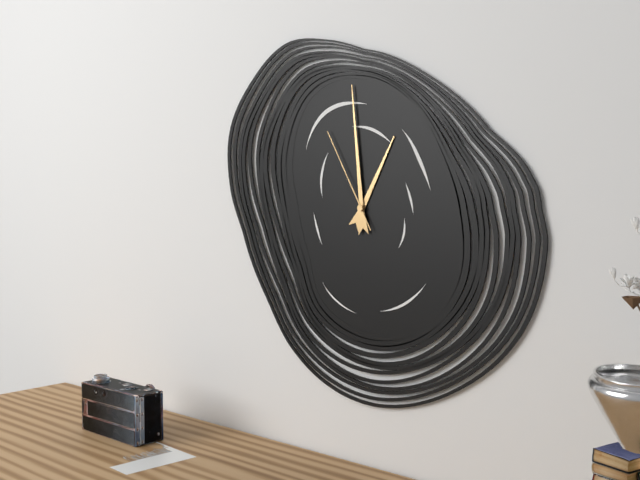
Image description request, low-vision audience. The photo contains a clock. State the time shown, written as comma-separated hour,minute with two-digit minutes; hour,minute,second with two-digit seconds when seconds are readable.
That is 12,59,55
